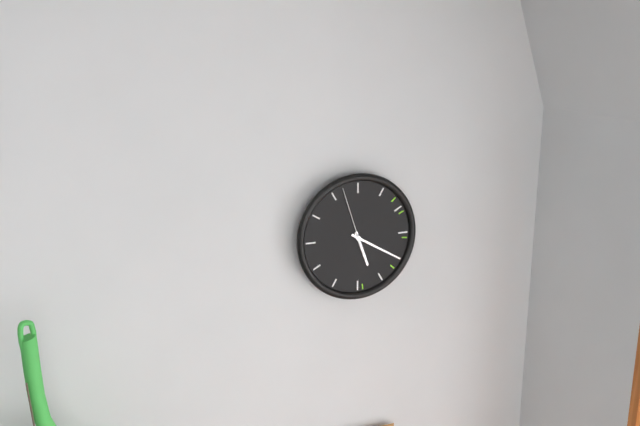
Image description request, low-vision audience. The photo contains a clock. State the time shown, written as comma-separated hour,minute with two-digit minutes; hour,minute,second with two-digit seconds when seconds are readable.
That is 5,20,57
